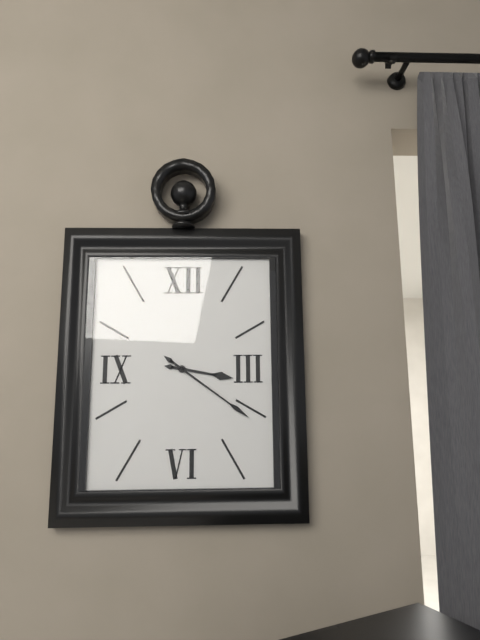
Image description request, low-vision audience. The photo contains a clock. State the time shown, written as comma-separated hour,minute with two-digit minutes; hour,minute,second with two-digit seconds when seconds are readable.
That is 3,21
